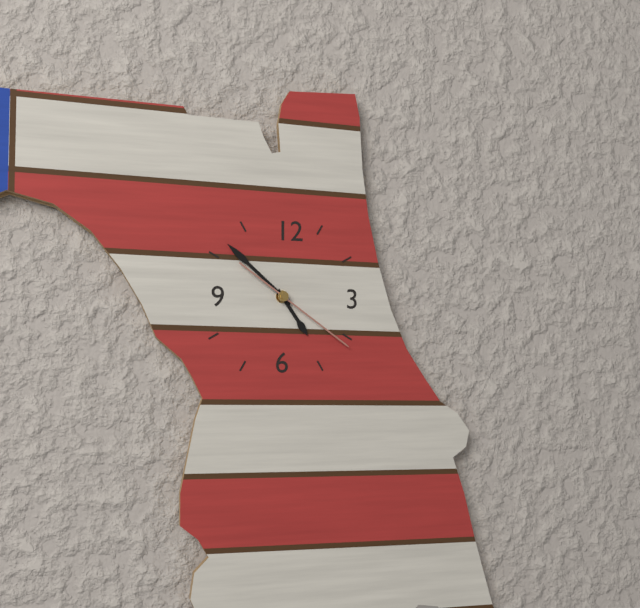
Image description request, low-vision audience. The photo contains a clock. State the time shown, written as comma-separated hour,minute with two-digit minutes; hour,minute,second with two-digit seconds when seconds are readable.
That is 4,52,21
